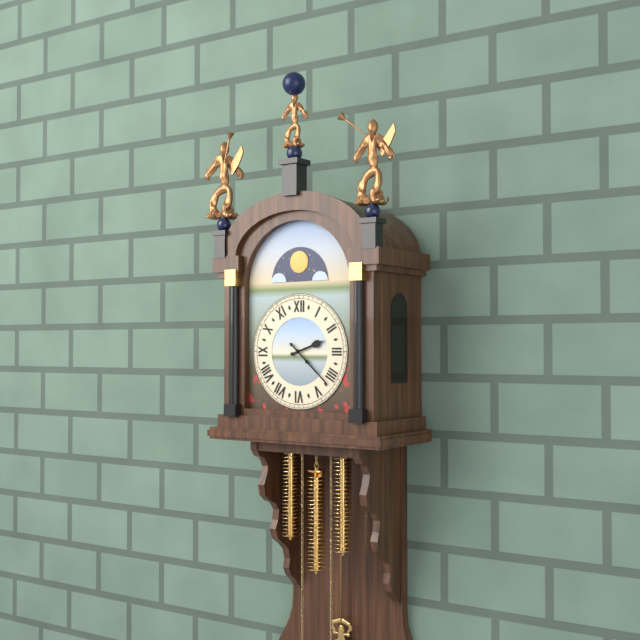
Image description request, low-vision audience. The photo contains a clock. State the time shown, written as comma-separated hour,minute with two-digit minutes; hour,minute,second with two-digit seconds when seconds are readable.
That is 2,22
